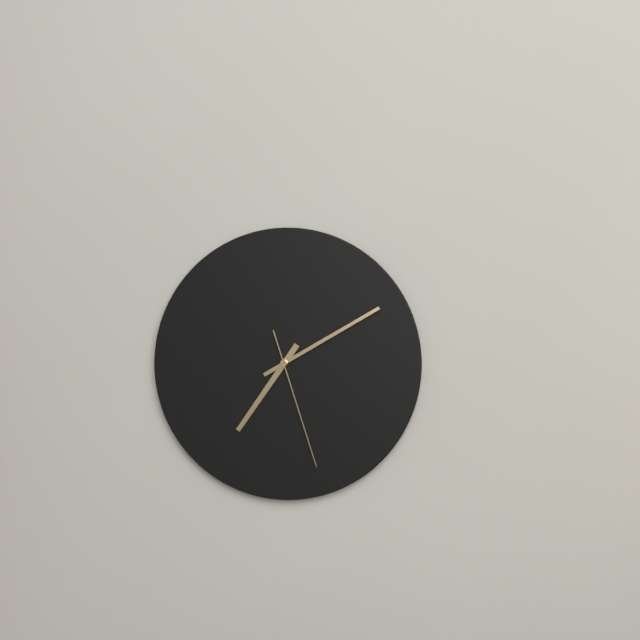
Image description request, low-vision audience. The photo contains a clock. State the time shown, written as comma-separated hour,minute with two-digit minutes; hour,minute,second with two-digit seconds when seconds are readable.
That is 7,10,27
